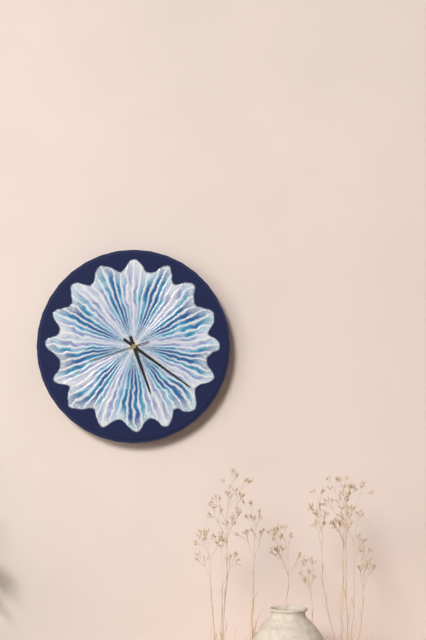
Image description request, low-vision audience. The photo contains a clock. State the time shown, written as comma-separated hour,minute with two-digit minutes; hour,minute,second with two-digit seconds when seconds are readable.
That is 5,21,42
